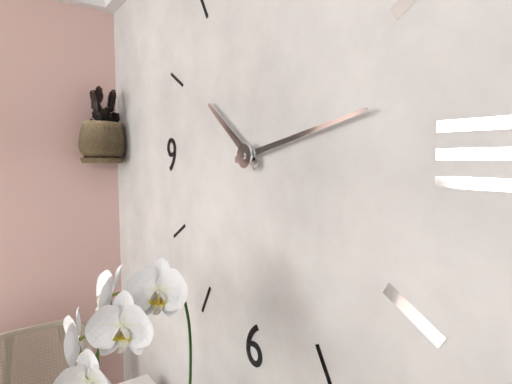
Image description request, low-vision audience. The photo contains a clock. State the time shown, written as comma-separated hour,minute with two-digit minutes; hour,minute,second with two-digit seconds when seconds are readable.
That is 10,13
